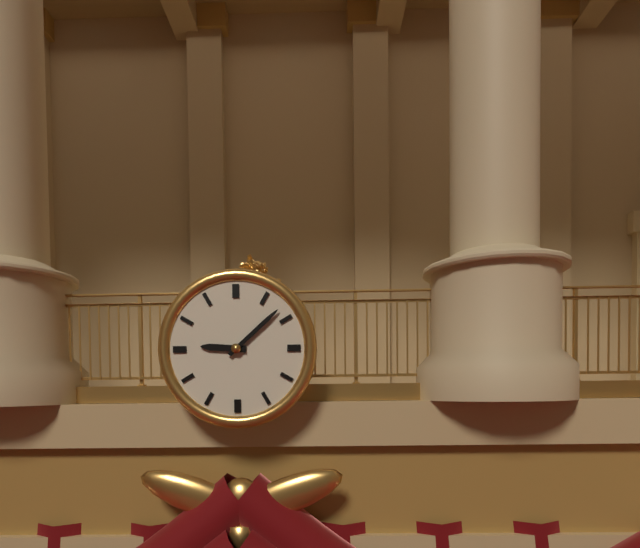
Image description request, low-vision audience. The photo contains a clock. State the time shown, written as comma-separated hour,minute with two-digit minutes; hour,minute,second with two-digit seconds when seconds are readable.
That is 9,08
